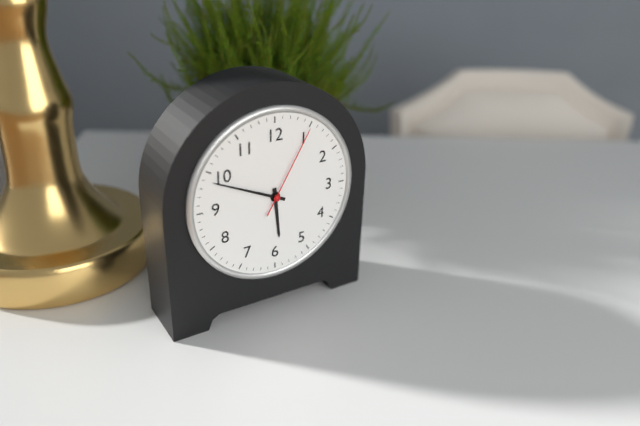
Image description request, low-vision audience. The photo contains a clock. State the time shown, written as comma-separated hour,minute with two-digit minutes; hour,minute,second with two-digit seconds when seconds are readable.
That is 5,49,05
